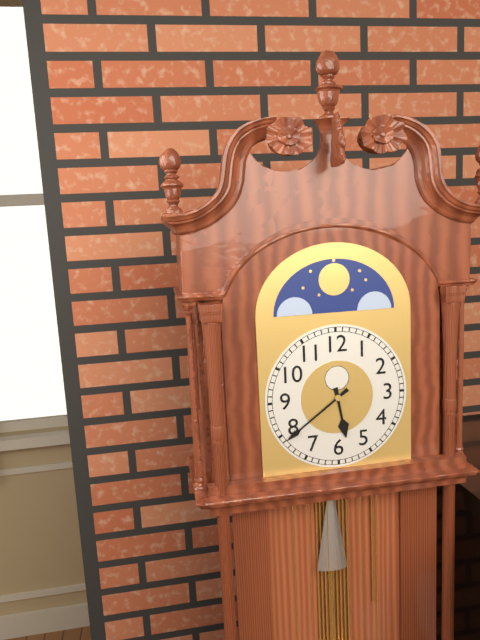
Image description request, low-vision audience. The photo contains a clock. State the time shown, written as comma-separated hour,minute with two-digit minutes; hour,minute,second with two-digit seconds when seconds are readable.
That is 5,39
